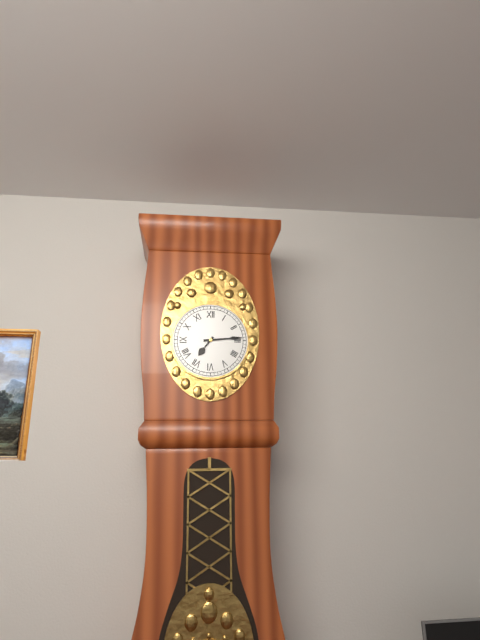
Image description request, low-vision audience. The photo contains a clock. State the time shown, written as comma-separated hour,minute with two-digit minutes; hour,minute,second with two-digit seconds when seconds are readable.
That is 7,14
